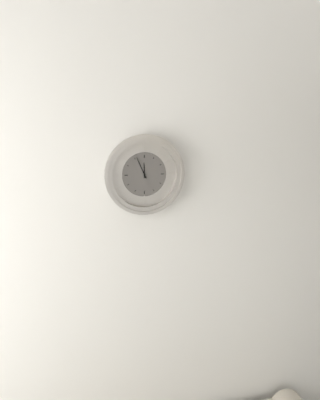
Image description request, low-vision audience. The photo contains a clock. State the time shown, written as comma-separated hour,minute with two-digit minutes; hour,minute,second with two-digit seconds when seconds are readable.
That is 11,56
